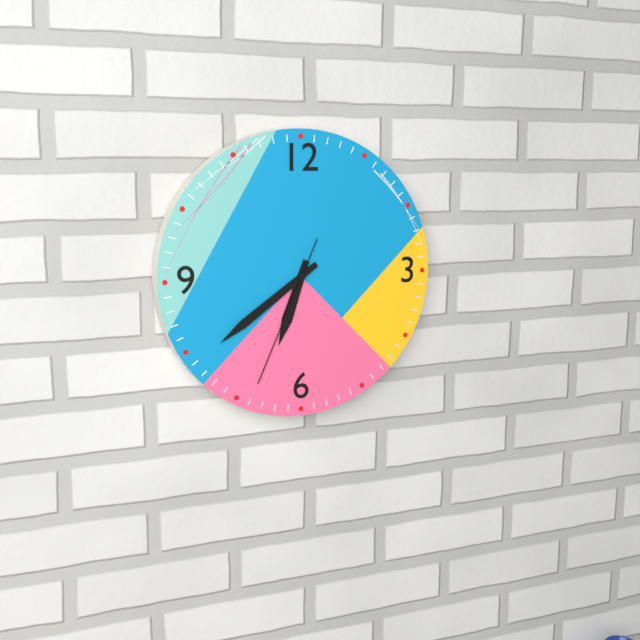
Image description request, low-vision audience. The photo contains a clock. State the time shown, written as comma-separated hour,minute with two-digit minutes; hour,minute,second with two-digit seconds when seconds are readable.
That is 6,39,34
